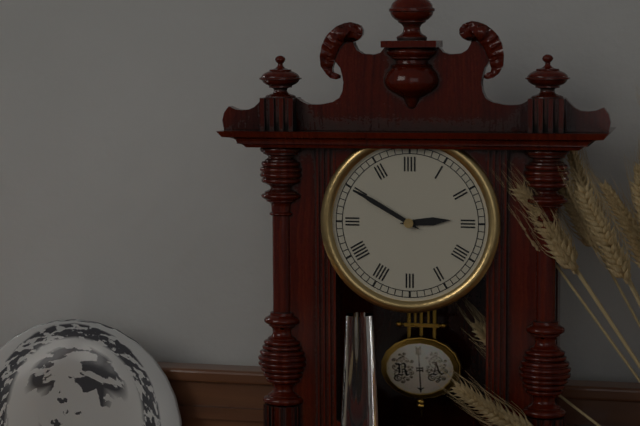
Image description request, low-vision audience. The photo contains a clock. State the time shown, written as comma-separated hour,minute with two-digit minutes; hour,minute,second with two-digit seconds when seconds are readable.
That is 2,50
